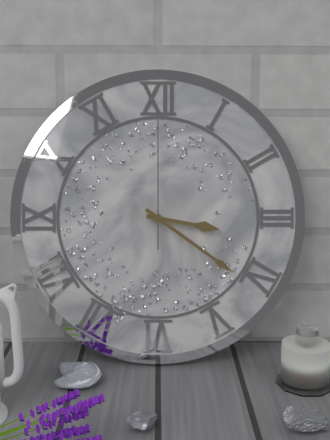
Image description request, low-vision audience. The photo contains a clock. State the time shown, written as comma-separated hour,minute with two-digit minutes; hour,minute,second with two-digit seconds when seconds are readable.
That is 3,21,00
